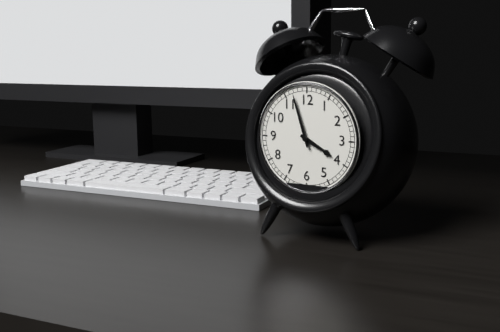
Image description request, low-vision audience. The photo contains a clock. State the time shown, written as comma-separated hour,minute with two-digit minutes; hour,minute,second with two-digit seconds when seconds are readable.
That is 3,57
